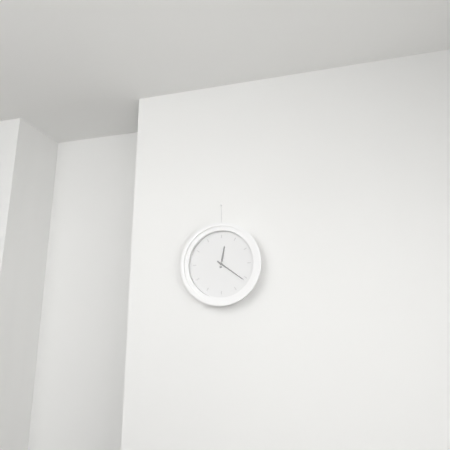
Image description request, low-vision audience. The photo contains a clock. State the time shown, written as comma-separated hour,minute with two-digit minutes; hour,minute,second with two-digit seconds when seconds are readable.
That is 12,21
